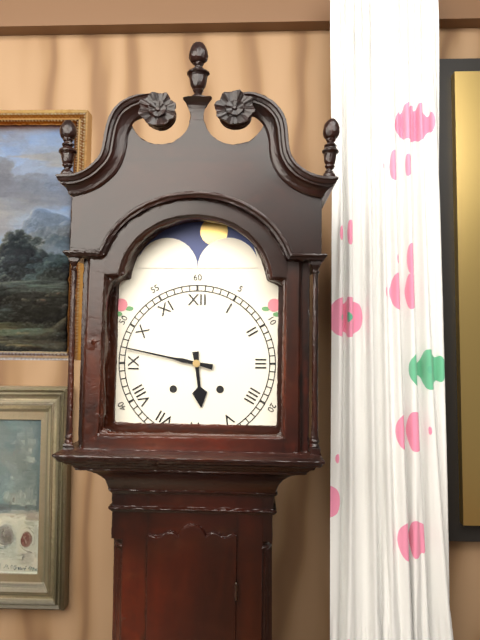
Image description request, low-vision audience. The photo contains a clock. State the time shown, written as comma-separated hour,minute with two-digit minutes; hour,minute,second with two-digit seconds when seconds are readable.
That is 5,47
